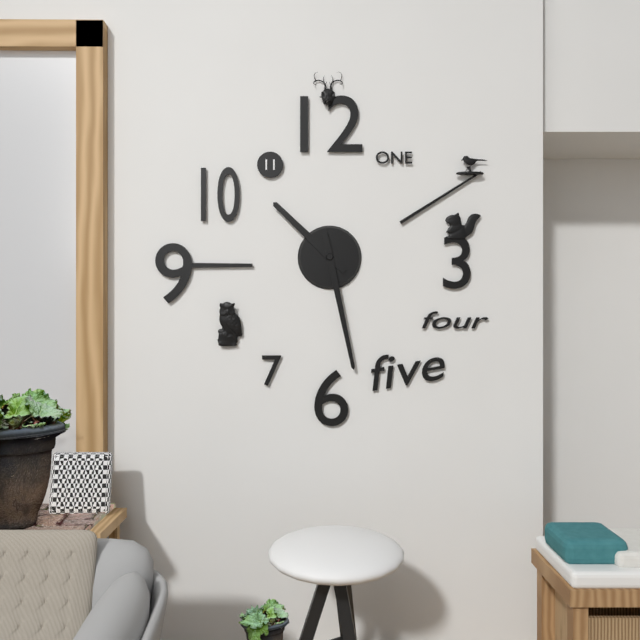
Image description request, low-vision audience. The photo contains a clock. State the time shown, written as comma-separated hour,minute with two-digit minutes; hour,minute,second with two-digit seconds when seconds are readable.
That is 10,28
